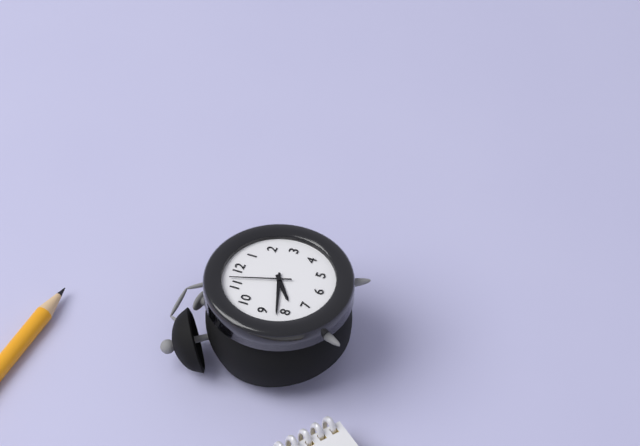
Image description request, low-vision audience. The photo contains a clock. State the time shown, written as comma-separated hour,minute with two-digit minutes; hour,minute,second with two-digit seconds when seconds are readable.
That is 7,42,57
